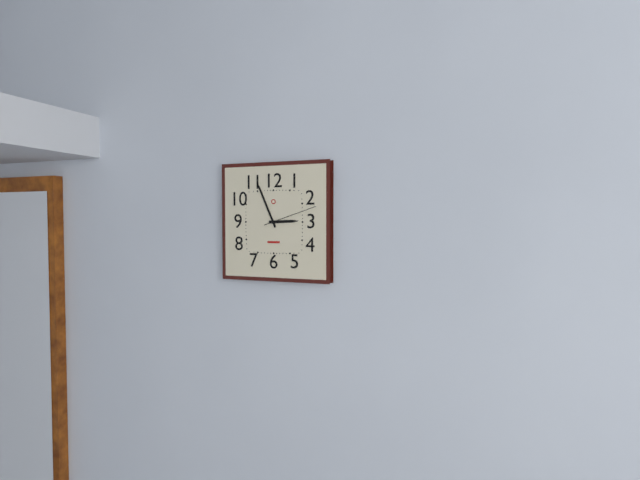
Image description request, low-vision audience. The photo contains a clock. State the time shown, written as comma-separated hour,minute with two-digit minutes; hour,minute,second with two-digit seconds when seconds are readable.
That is 2,56,12
